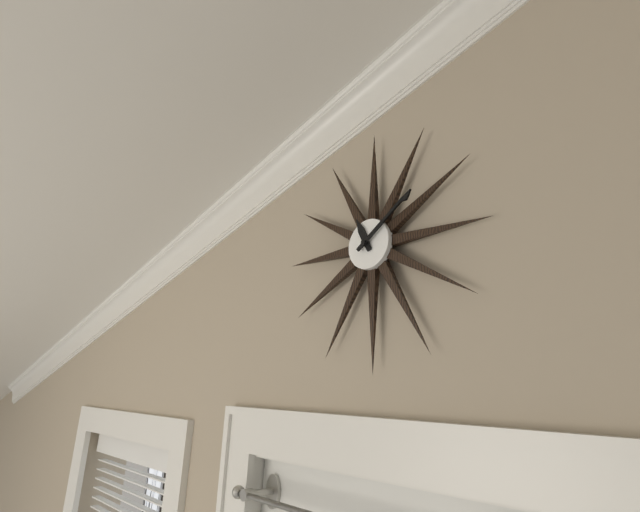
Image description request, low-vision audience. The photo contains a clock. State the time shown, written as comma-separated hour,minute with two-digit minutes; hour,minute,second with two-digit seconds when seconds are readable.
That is 11,09
